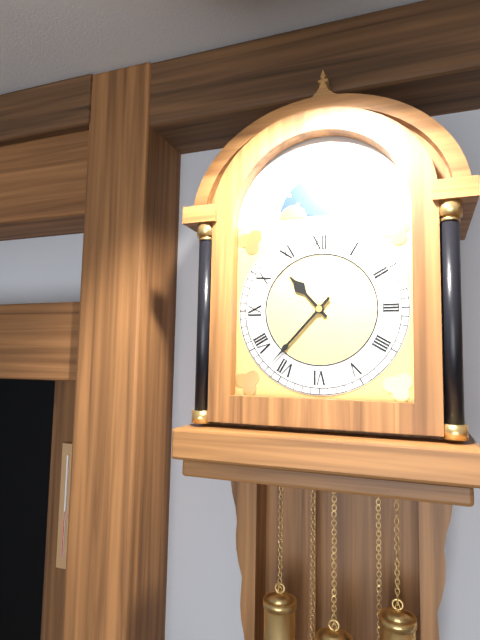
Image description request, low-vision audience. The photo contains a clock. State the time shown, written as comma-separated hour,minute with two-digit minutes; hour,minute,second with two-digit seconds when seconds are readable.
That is 10,37
